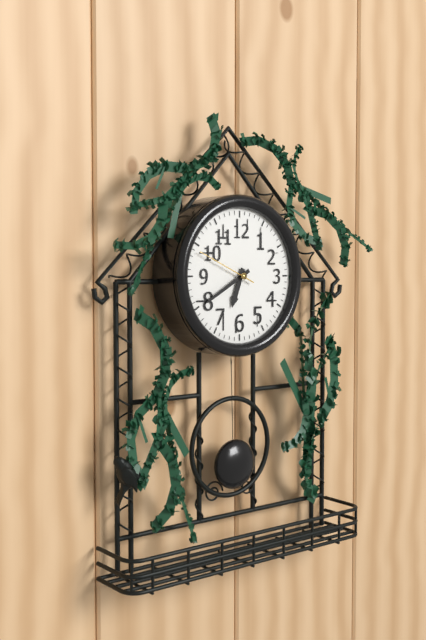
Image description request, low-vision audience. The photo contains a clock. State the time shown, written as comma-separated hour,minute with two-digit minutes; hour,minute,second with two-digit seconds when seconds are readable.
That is 6,40,49
